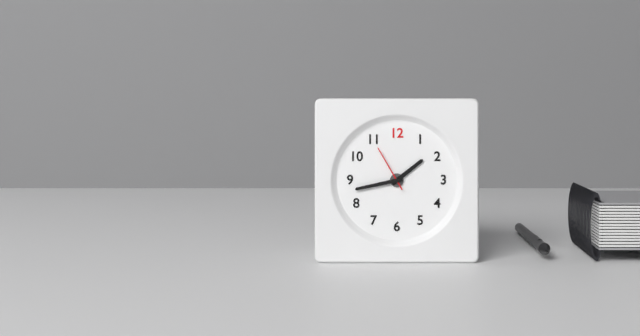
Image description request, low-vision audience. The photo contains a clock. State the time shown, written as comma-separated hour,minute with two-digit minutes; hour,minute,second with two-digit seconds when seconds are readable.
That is 1,43
